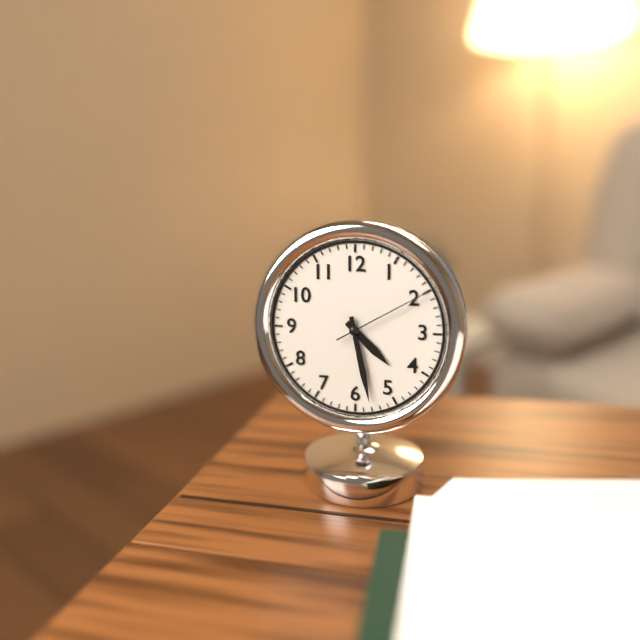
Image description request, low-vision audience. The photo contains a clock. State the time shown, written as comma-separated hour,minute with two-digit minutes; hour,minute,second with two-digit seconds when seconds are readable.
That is 4,28,10
